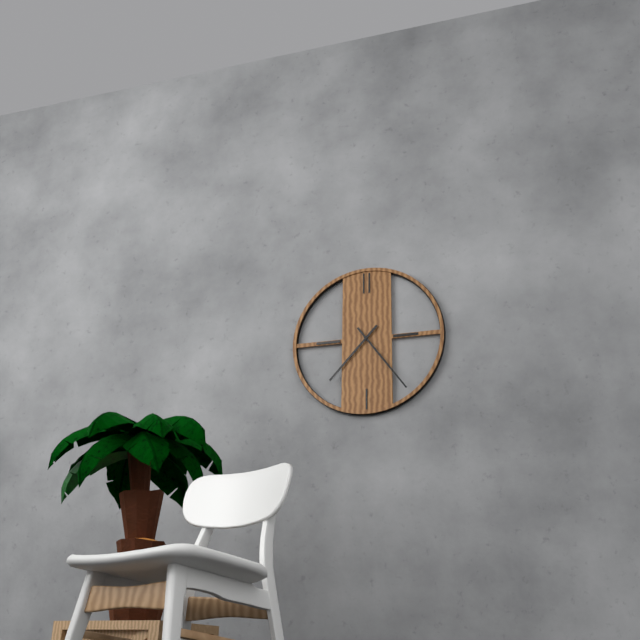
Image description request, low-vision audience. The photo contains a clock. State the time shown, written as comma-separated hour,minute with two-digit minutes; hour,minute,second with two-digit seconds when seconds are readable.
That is 7,24
